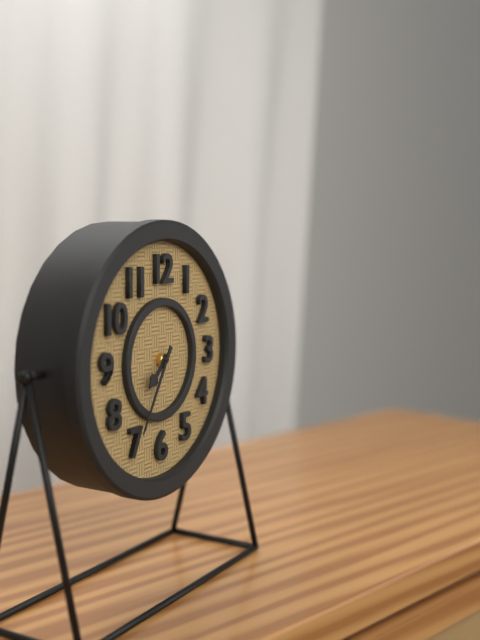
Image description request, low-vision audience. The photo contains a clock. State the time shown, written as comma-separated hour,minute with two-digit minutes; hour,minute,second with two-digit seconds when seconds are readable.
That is 7,35
